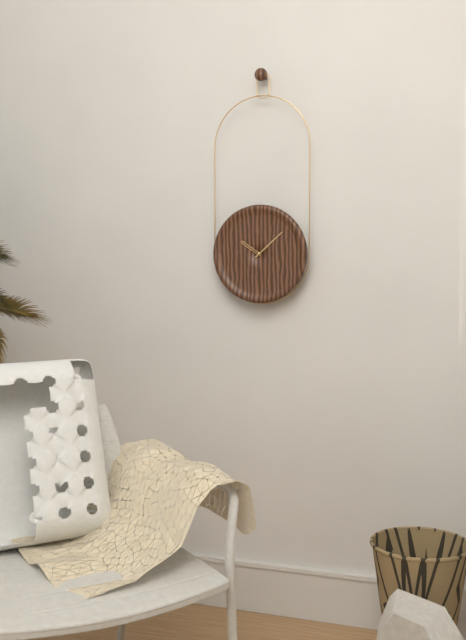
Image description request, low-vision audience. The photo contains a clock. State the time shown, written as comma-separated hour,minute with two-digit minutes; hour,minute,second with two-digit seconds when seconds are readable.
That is 10,08
